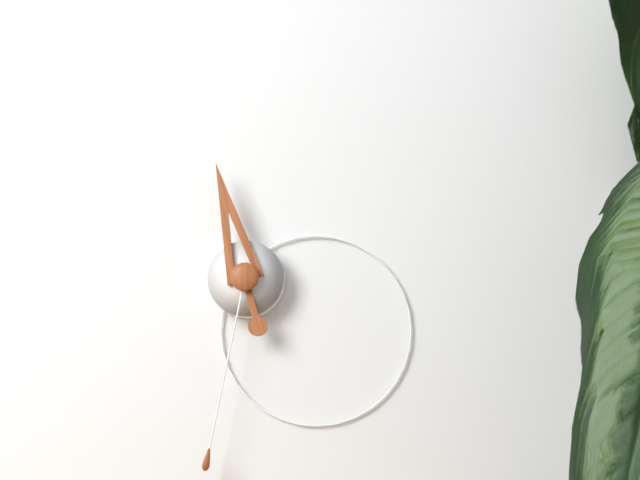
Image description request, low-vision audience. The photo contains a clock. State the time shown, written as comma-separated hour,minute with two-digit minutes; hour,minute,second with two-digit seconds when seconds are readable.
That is 11,32
